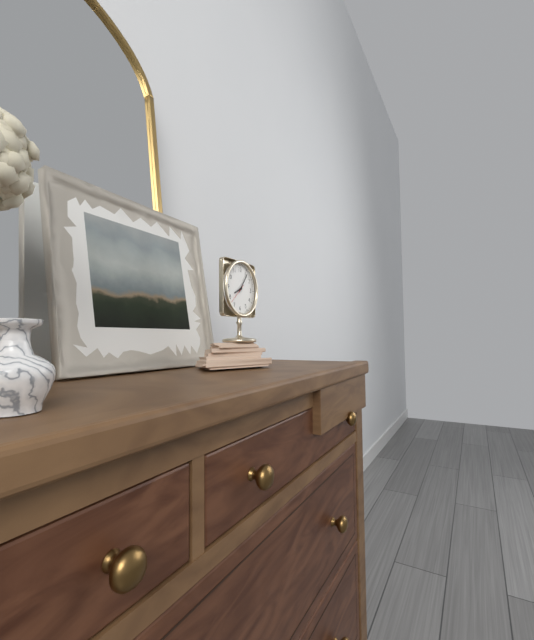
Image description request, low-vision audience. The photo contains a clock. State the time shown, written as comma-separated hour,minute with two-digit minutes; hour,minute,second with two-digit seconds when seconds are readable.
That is 8,06
